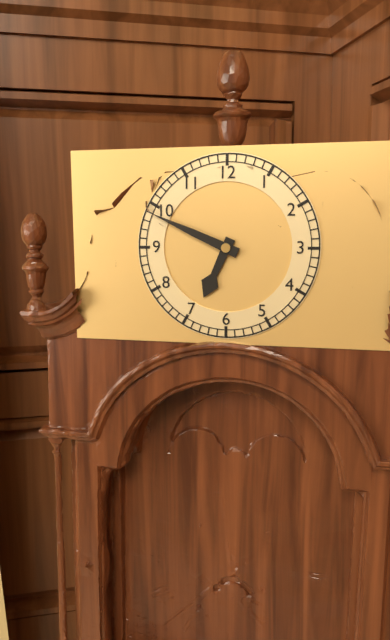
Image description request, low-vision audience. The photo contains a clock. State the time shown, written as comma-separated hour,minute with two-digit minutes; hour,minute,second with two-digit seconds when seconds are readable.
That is 6,49
